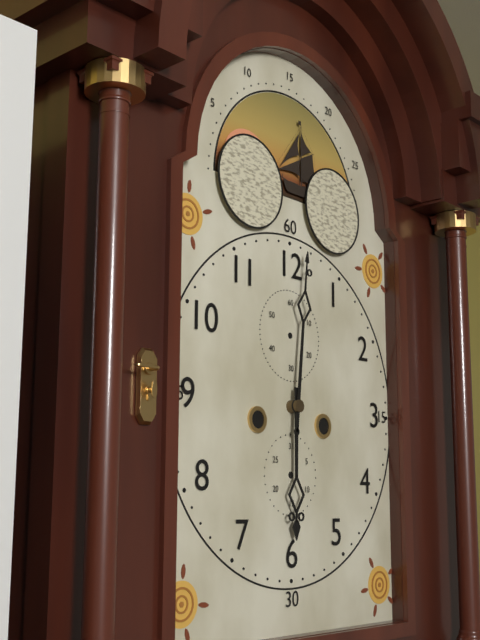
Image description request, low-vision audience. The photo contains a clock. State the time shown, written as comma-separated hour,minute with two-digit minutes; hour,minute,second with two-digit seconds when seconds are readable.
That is 6,01
